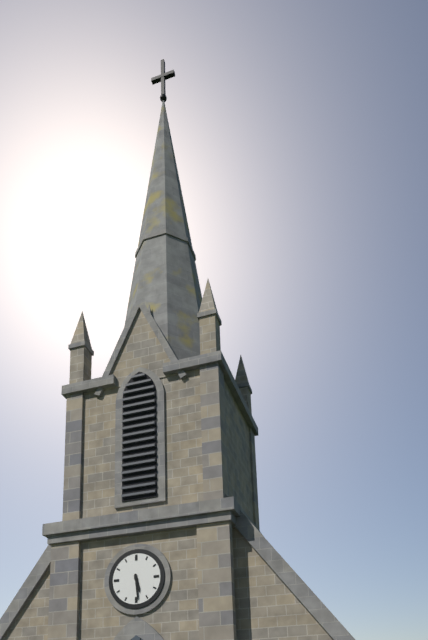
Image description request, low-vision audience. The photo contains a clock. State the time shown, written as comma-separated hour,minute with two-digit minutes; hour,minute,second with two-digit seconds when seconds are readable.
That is 5,29
